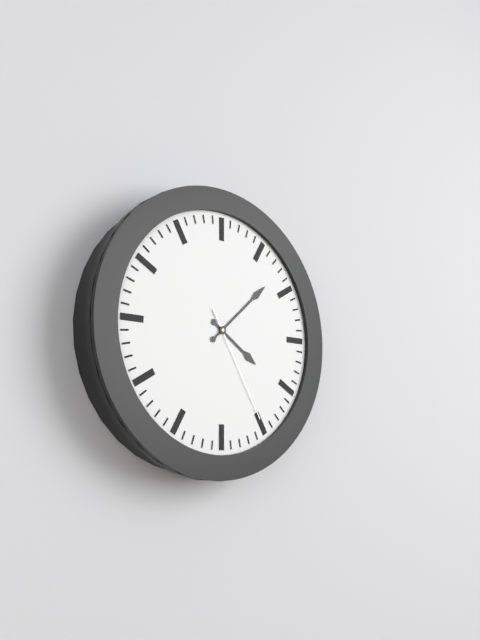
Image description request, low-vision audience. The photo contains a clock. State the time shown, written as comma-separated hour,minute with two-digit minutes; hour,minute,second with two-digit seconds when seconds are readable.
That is 4,08,25
